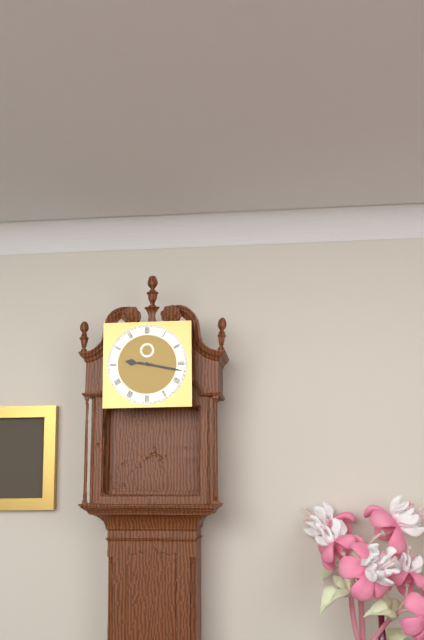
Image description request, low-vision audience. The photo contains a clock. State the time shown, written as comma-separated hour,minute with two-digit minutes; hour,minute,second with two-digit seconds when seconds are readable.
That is 9,17
